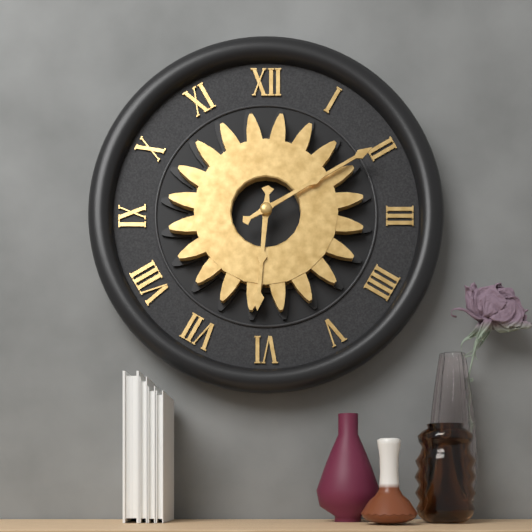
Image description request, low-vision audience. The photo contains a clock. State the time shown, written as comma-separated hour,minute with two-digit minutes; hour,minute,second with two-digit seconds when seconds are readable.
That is 6,10
